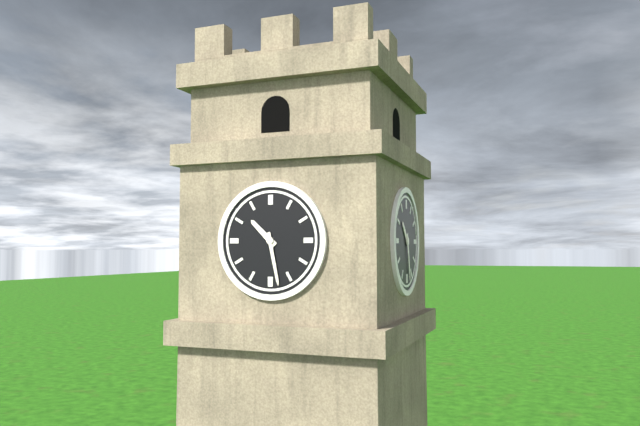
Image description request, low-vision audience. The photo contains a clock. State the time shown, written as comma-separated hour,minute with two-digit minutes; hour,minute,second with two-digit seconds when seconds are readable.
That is 10,28
